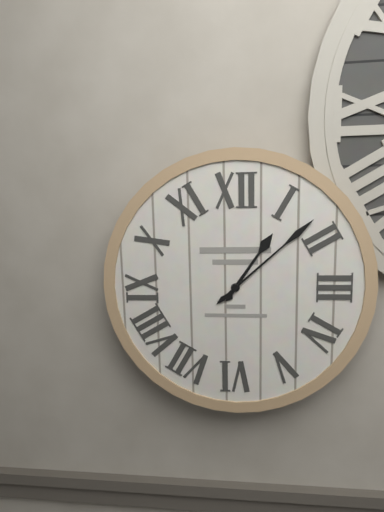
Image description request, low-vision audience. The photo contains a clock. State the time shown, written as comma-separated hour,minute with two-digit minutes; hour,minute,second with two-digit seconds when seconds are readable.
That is 1,08
